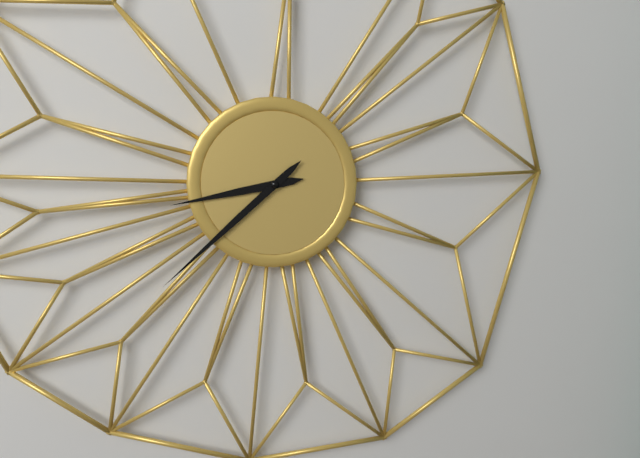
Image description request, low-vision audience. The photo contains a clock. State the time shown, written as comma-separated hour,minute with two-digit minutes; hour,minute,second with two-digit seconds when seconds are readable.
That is 8,38
